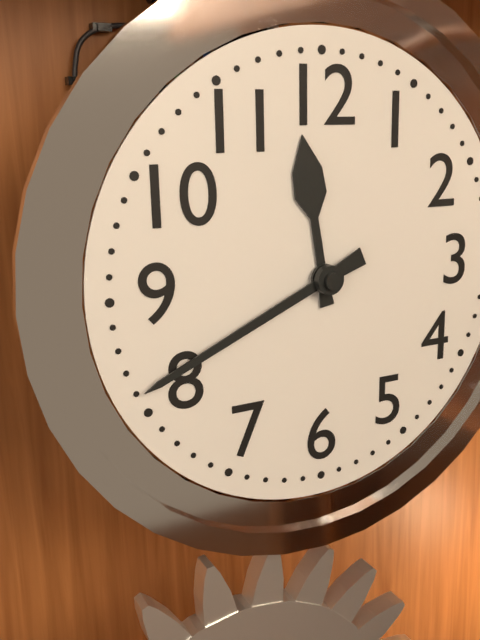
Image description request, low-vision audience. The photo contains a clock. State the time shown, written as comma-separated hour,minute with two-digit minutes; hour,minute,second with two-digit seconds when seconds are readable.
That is 11,41
